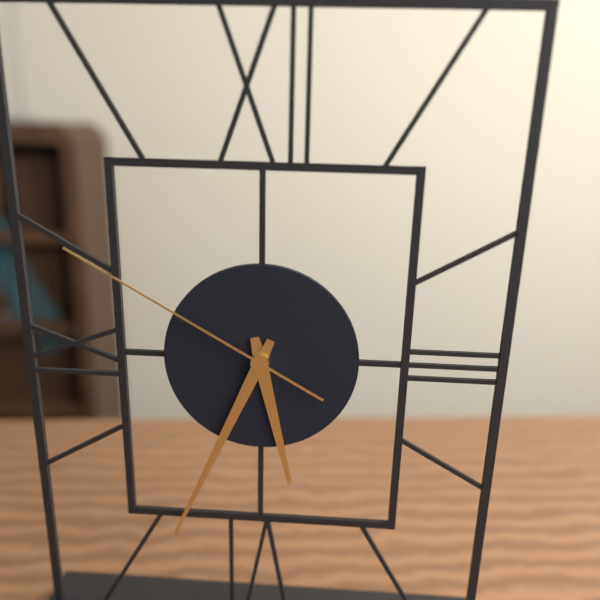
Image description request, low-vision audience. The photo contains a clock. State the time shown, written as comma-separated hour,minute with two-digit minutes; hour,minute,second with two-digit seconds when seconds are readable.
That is 5,34,50
